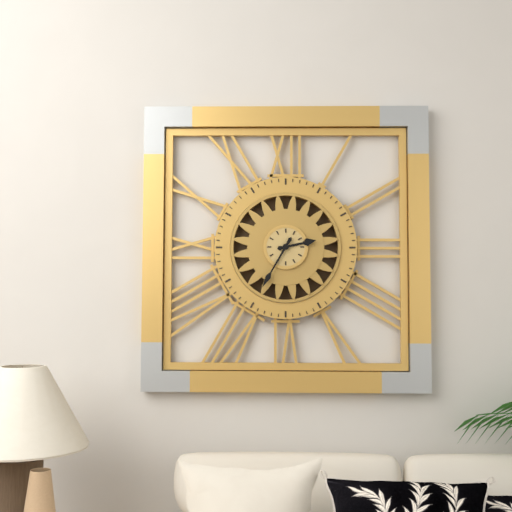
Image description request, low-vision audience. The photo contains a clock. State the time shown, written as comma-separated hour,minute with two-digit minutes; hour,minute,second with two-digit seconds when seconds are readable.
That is 2,35
